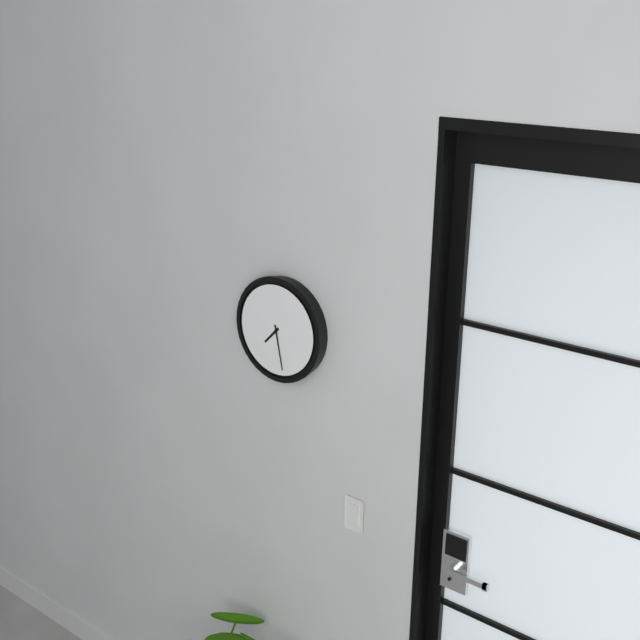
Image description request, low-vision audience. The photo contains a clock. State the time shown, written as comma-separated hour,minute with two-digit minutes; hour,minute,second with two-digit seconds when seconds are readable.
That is 7,28
